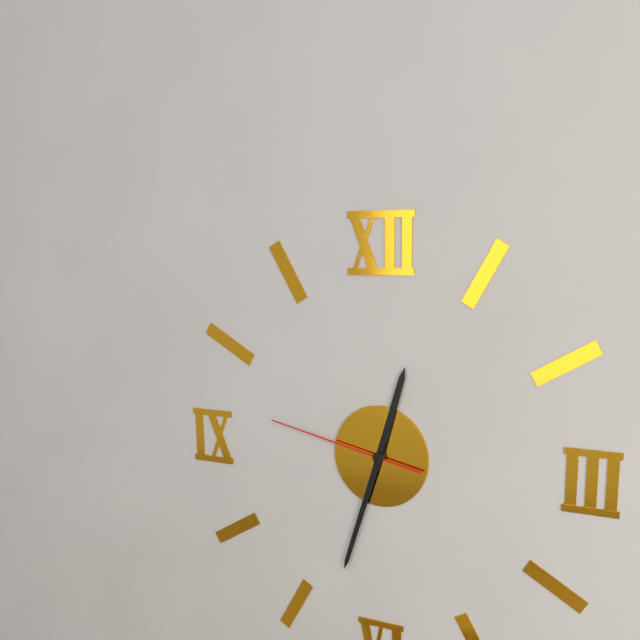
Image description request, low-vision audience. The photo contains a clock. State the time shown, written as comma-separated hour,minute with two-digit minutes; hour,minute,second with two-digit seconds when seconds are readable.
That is 12,33,47
